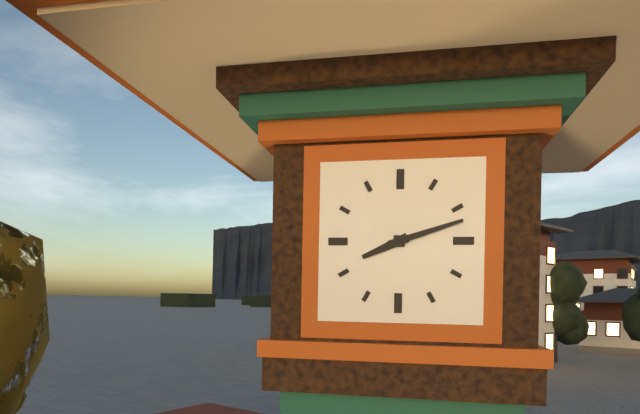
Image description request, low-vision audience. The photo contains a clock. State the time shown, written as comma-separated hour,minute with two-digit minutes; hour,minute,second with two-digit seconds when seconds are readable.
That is 8,12
